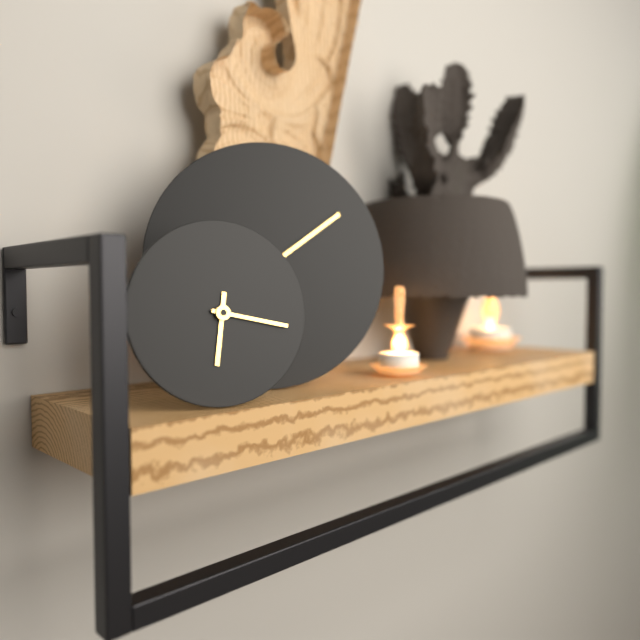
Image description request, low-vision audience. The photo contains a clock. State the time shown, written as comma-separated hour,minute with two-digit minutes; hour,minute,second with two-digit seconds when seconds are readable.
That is 6,17
